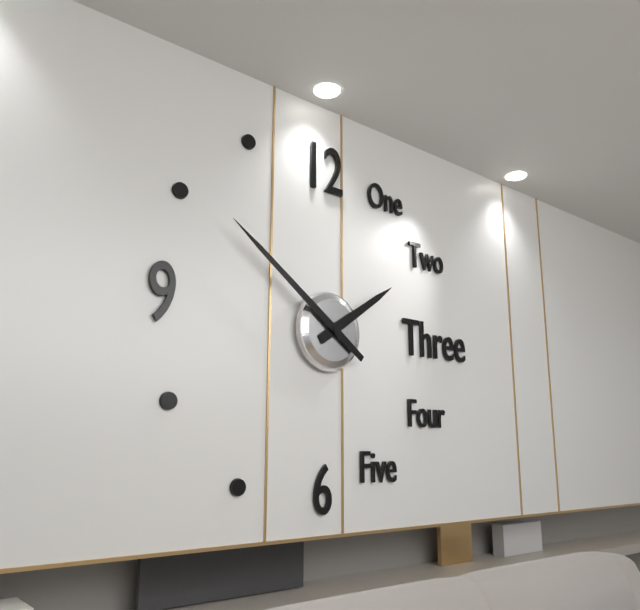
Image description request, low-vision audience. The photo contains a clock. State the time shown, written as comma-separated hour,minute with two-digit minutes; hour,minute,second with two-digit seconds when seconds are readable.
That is 1,51
